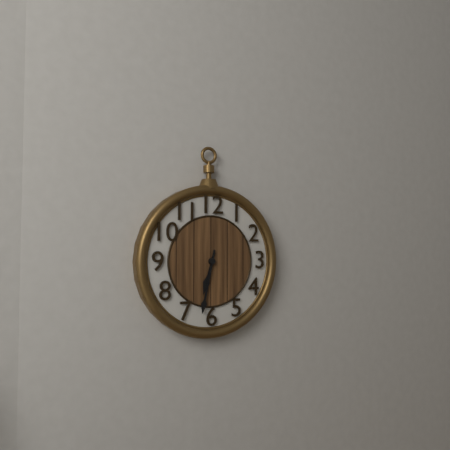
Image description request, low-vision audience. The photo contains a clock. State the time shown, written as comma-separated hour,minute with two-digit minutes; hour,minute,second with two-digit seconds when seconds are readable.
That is 6,32
